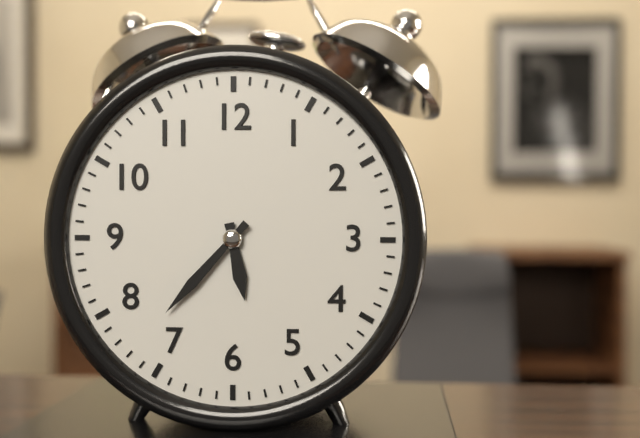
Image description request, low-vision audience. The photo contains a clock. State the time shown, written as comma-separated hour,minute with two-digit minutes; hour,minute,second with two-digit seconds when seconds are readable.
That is 5,37
